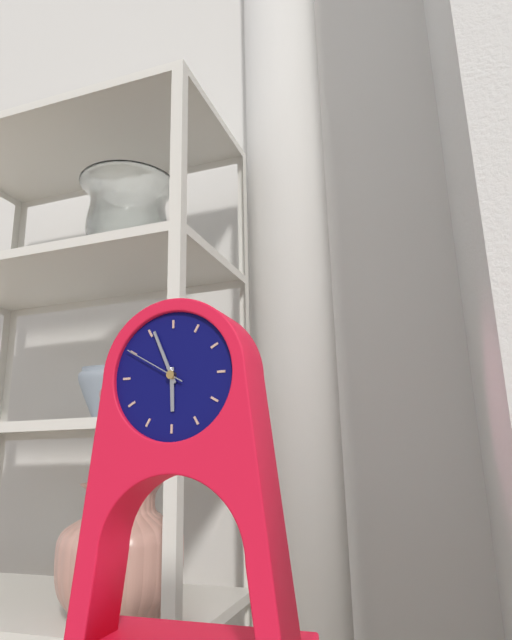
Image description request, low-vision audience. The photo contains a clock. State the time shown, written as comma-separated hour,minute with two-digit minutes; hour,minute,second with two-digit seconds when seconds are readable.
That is 5,56,50
